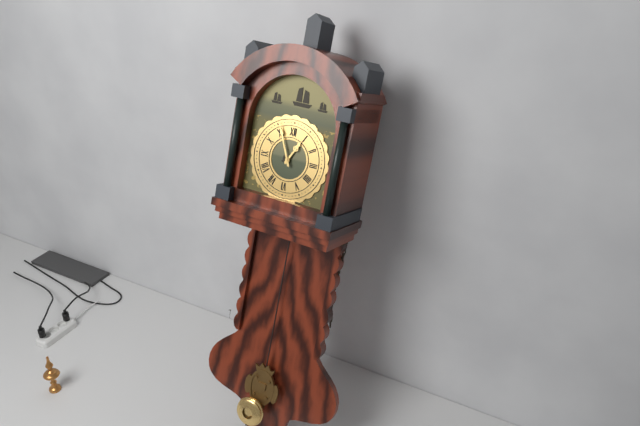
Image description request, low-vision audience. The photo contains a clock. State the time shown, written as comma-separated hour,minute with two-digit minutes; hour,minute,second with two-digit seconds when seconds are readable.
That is 12,56
